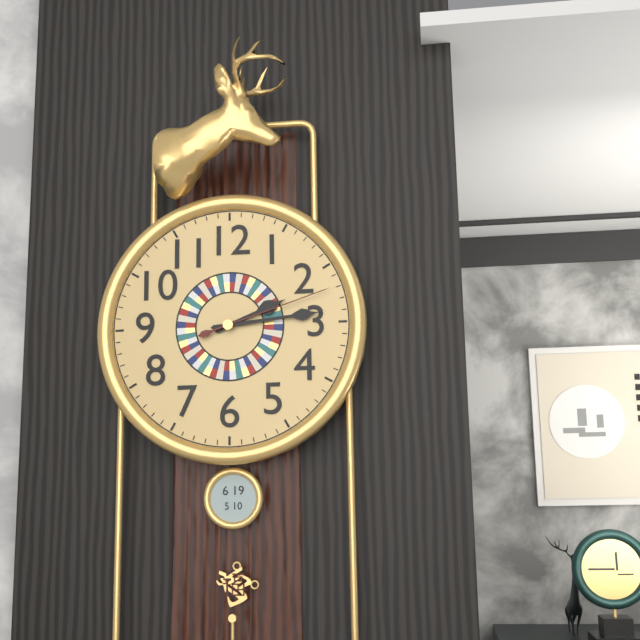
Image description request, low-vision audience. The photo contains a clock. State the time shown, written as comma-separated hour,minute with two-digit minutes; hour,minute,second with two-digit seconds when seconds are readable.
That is 2,14,12
